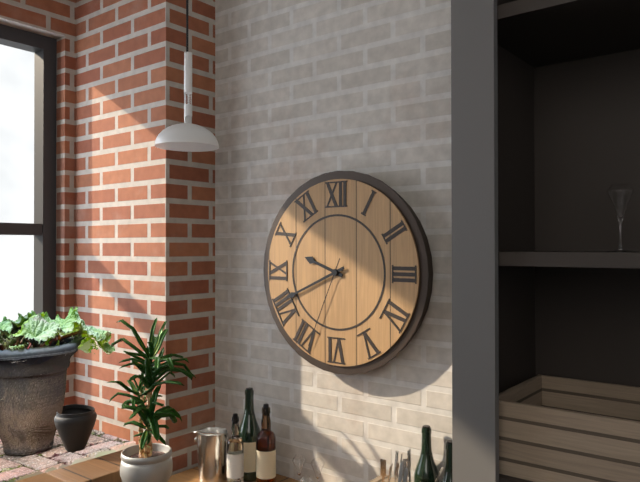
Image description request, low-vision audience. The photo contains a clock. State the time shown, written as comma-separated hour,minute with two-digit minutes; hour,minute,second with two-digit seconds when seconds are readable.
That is 9,41,34
